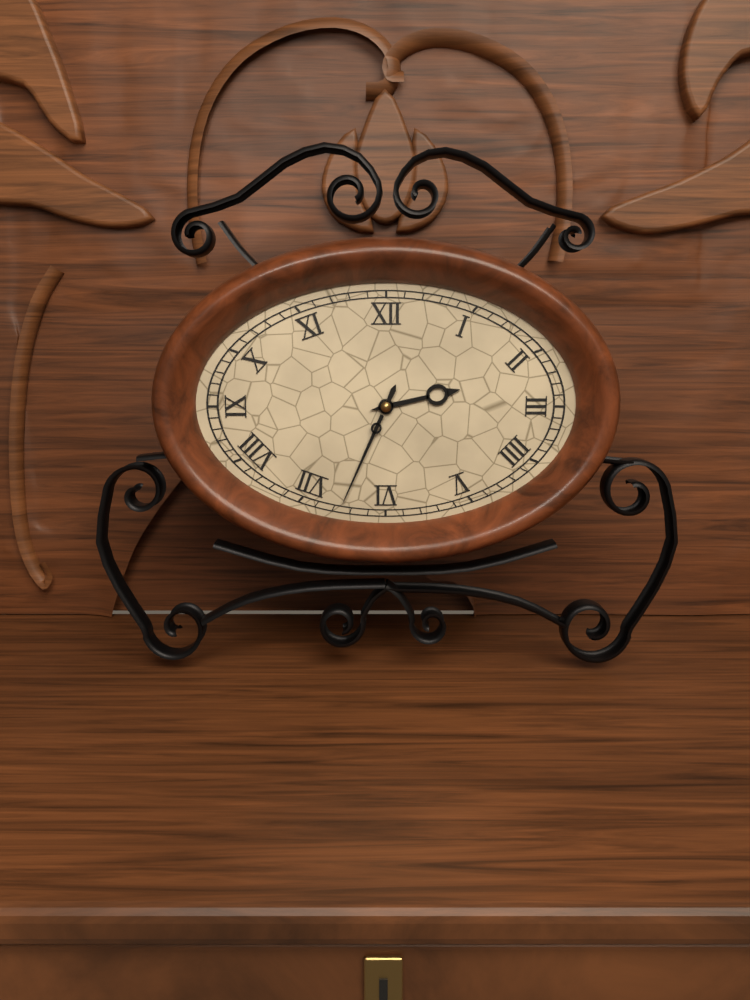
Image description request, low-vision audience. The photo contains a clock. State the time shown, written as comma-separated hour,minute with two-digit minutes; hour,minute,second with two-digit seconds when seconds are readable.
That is 2,34
